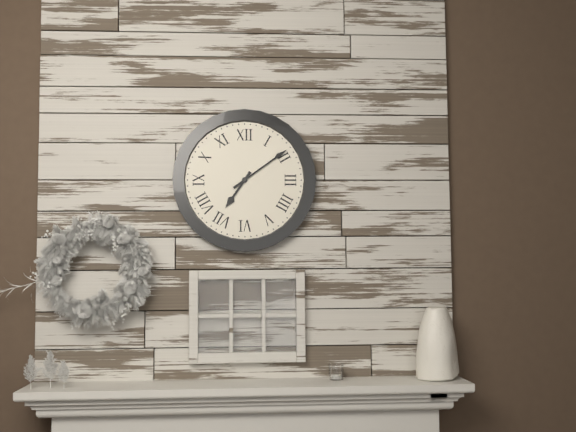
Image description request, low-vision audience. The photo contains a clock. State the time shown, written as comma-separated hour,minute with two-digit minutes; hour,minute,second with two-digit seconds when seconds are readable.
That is 7,09
